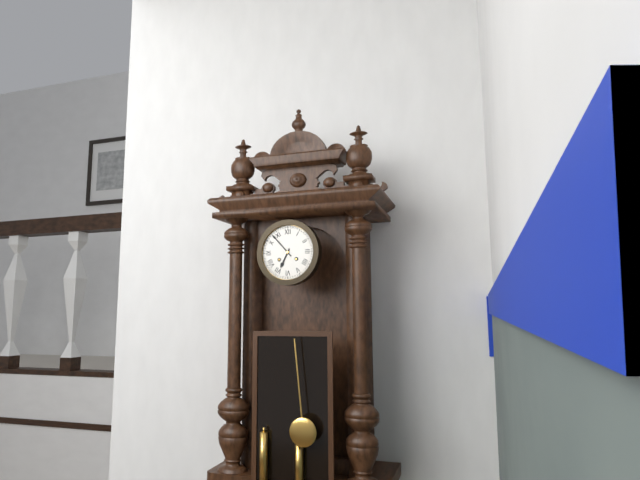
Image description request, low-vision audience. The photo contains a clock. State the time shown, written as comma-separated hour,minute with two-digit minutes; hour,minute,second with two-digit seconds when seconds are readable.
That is 6,53
